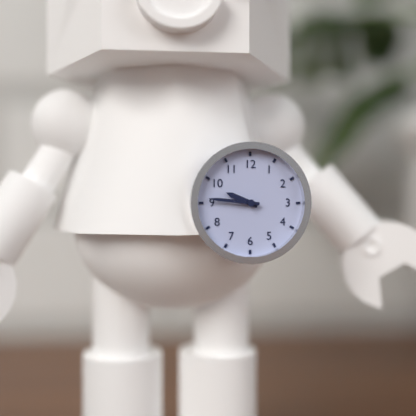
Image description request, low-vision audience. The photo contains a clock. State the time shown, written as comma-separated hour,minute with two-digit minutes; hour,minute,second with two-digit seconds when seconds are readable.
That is 9,46
